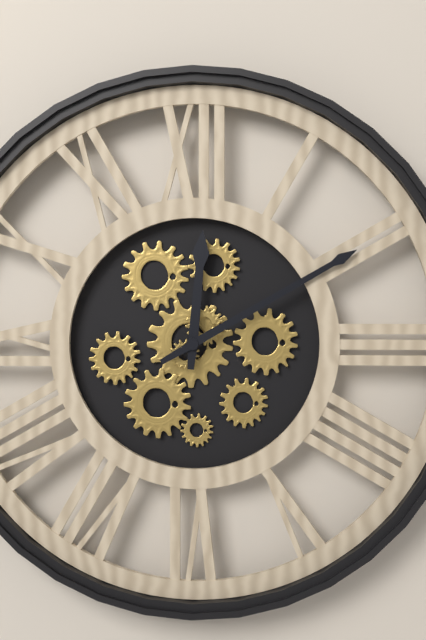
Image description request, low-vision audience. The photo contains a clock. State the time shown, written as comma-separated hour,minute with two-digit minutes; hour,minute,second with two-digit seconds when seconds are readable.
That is 12,10
